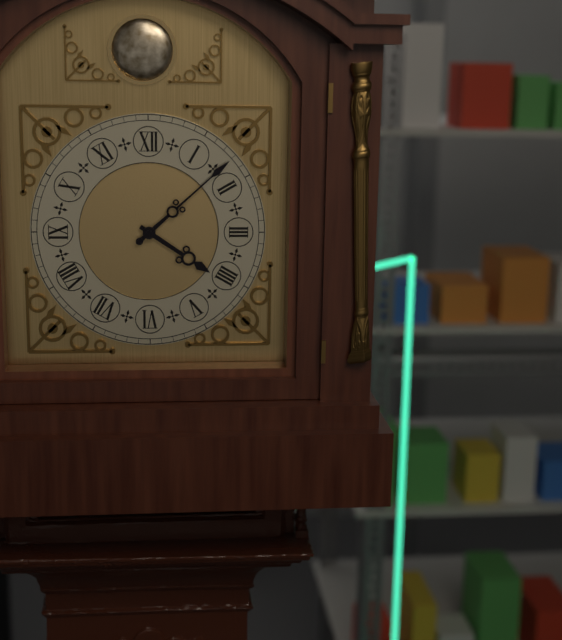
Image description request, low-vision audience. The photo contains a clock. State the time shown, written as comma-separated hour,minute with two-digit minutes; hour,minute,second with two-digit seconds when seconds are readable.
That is 4,08
